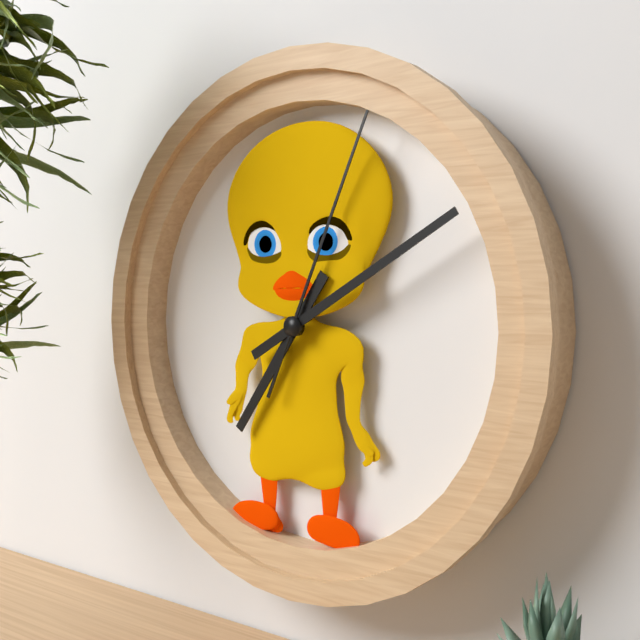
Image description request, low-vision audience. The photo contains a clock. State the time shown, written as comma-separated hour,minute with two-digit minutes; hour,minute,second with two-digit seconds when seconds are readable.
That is 7,10,04
